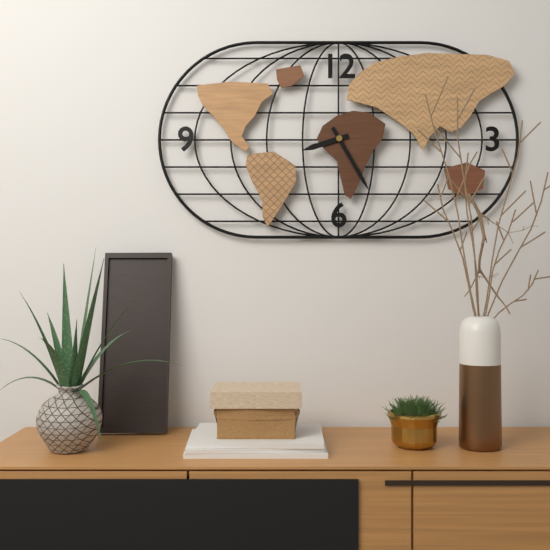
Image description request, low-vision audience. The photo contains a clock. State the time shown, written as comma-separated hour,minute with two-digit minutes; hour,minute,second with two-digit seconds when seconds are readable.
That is 8,25
